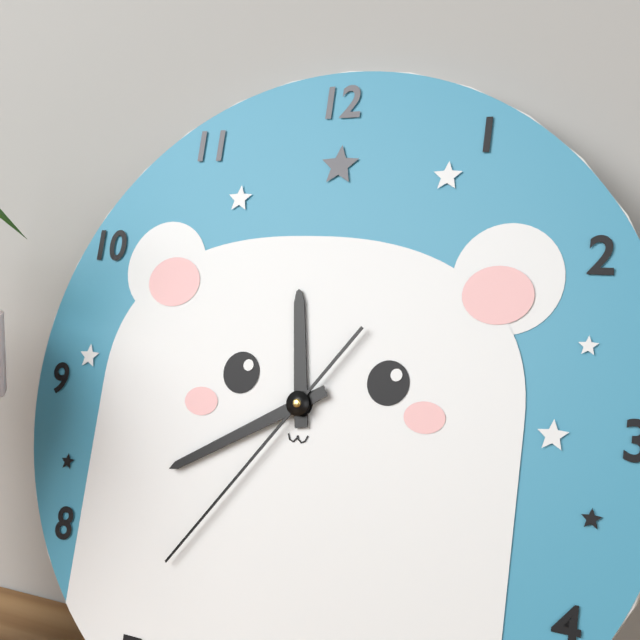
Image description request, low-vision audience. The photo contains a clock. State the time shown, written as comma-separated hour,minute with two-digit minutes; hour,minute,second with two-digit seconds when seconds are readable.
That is 11,40,36
